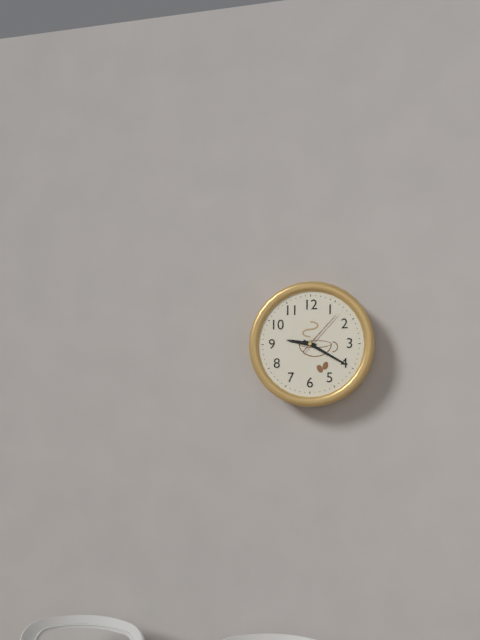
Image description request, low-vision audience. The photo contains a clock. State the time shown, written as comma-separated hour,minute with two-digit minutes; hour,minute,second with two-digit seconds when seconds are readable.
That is 9,20,07
